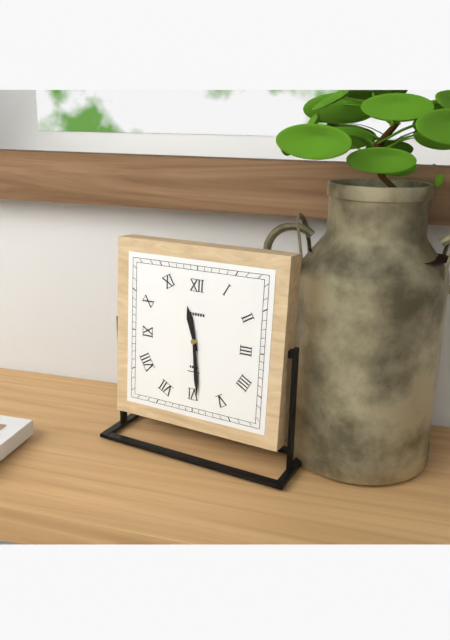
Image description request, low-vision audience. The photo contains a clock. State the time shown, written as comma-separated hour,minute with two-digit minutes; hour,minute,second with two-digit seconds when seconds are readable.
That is 11,29
